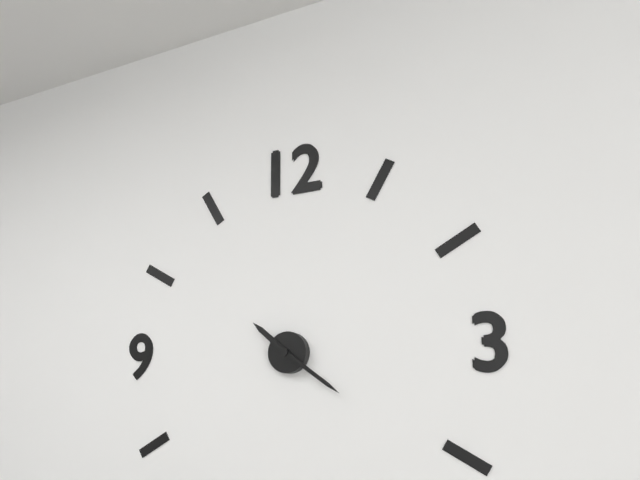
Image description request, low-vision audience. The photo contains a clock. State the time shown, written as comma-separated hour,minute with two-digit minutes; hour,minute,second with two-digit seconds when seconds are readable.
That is 10,21
